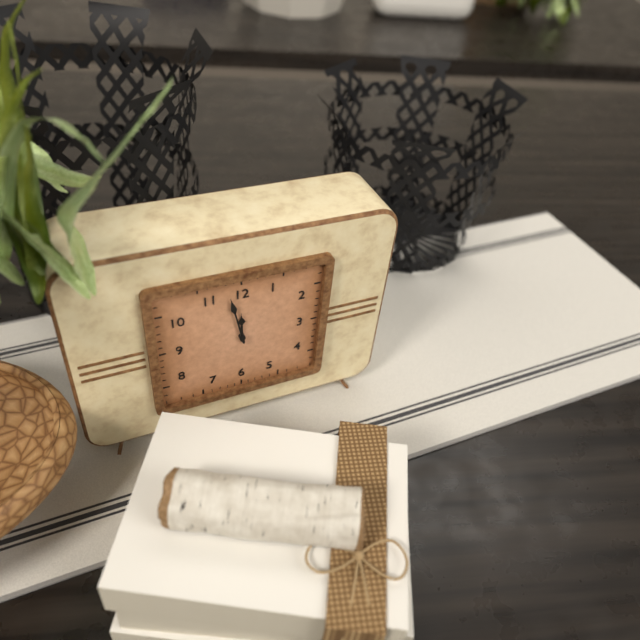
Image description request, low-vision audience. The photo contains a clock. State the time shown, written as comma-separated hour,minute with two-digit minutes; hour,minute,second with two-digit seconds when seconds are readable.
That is 11,58
